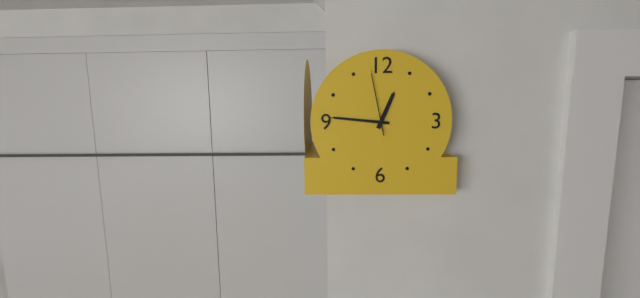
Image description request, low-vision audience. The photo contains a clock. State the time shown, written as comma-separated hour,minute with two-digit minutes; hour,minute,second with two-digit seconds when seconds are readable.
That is 12,46,58
